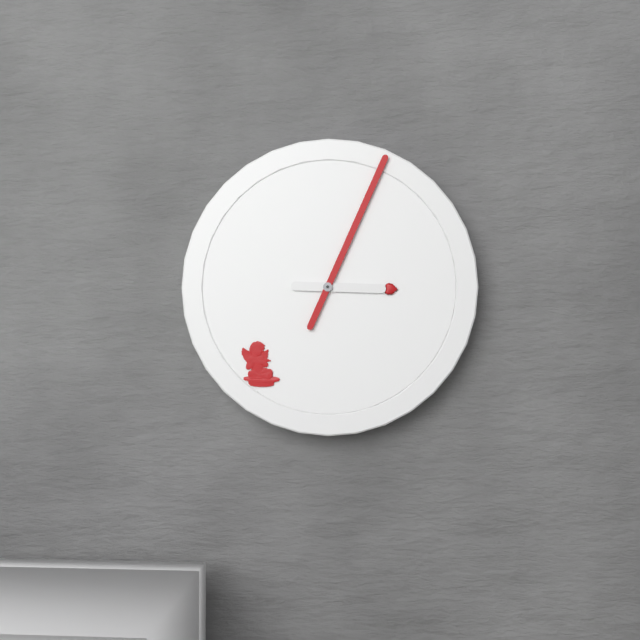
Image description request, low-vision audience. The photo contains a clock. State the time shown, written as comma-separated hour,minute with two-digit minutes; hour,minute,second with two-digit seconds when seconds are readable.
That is 3,04
